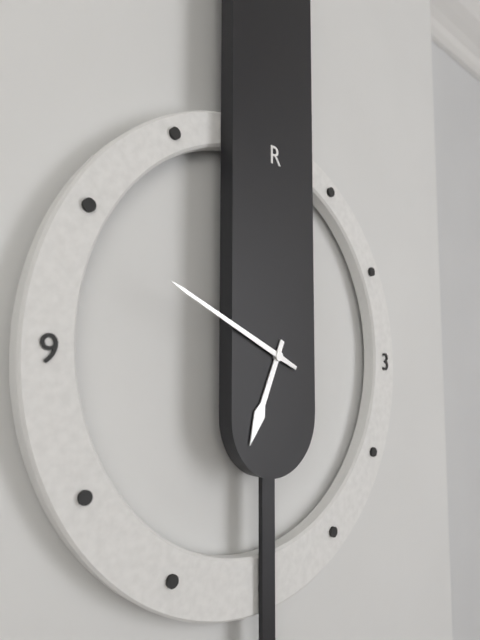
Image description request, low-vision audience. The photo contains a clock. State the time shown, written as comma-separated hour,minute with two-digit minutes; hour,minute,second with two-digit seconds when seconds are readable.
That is 6,49
